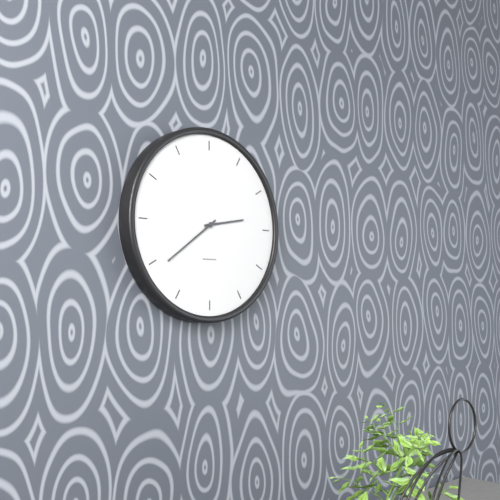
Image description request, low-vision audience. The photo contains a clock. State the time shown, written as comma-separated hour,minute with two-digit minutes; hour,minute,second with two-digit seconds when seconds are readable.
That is 2,39
